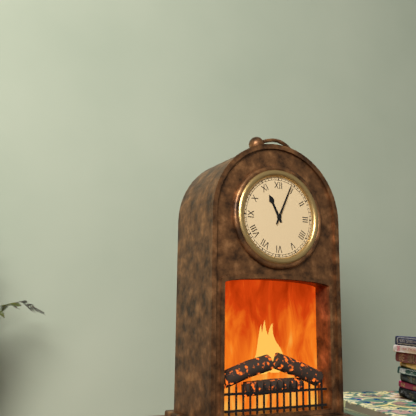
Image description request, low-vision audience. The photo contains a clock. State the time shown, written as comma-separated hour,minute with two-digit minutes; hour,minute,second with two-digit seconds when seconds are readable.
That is 11,04
